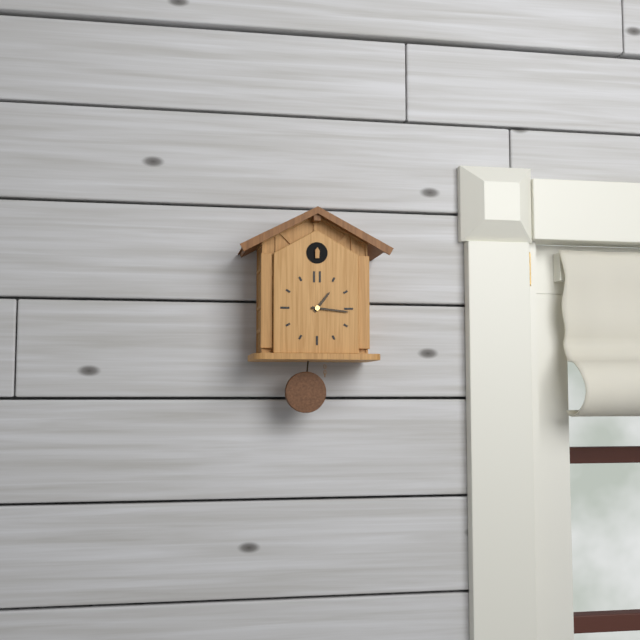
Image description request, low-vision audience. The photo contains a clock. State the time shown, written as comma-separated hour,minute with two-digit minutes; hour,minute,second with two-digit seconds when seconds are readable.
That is 1,16
